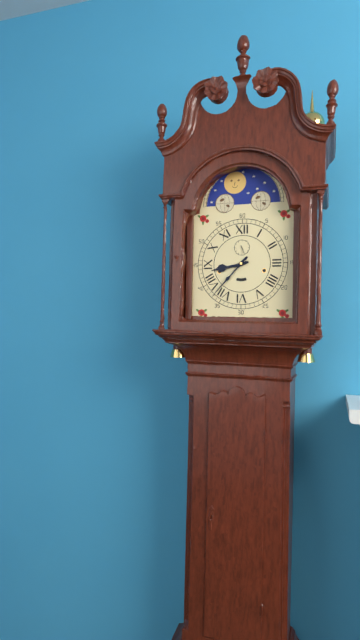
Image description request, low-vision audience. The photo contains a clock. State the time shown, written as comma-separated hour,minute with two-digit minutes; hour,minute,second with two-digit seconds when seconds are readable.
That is 8,37
